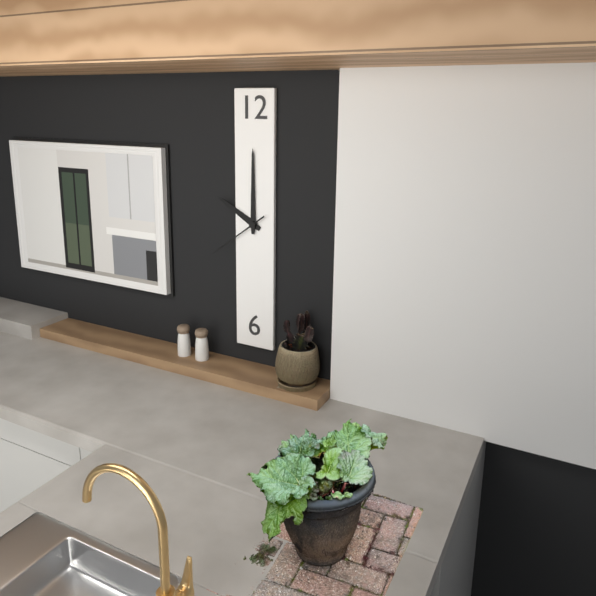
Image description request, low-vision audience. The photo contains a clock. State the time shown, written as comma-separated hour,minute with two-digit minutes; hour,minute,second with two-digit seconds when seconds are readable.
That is 10,00,39
